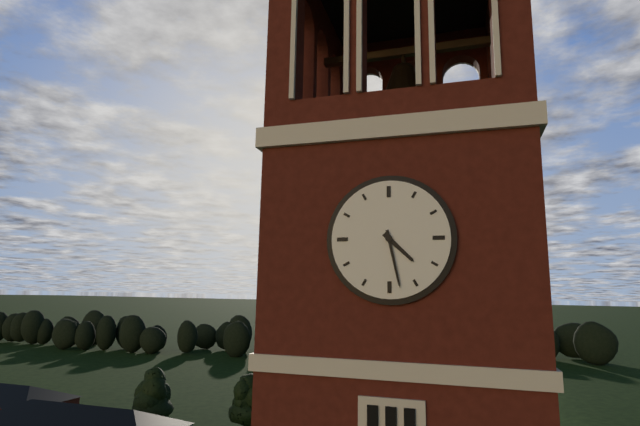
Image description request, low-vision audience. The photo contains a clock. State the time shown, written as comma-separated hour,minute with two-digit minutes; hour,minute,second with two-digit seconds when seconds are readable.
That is 4,28
